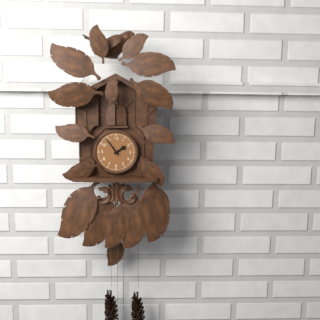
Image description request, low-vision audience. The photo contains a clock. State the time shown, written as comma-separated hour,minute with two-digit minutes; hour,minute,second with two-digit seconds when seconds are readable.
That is 1,54
